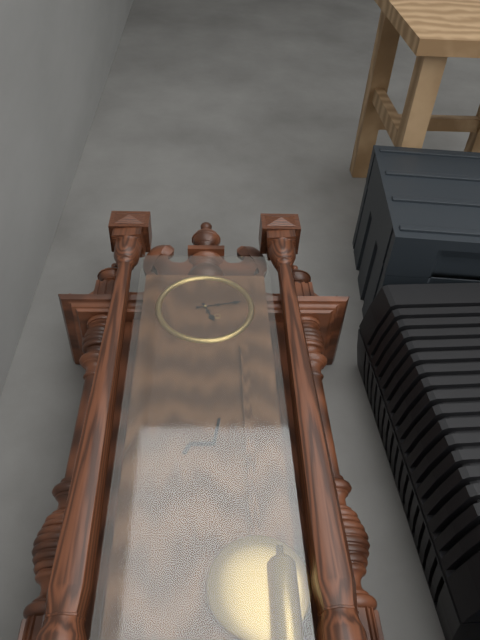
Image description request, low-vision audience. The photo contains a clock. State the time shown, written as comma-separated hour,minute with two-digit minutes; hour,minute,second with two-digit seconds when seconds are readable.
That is 5,13
